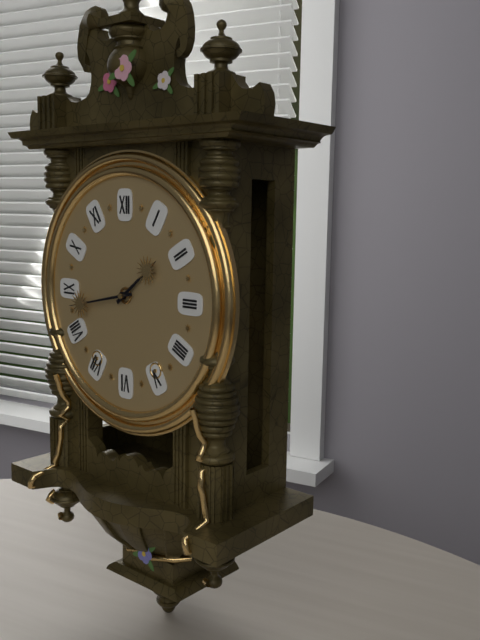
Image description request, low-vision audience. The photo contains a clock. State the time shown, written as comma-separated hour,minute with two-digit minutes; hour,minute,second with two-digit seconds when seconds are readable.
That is 1,43
